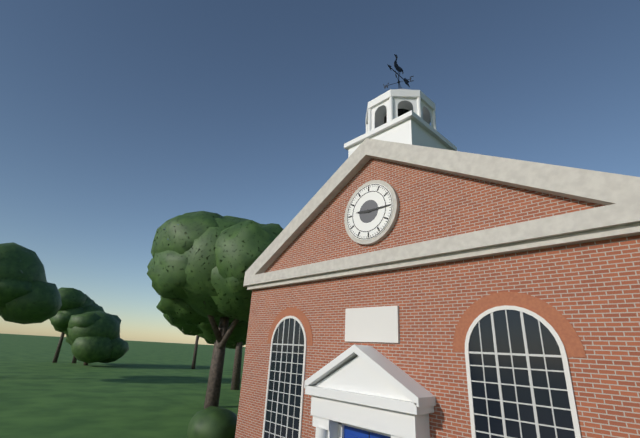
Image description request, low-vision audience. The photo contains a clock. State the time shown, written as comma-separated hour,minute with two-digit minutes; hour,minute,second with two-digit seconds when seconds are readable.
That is 9,15
